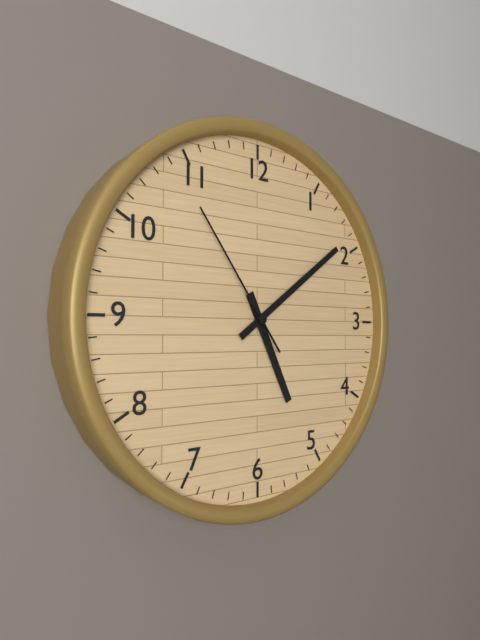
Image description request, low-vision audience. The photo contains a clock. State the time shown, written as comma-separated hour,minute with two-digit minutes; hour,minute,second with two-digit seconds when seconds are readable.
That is 5,09,54
